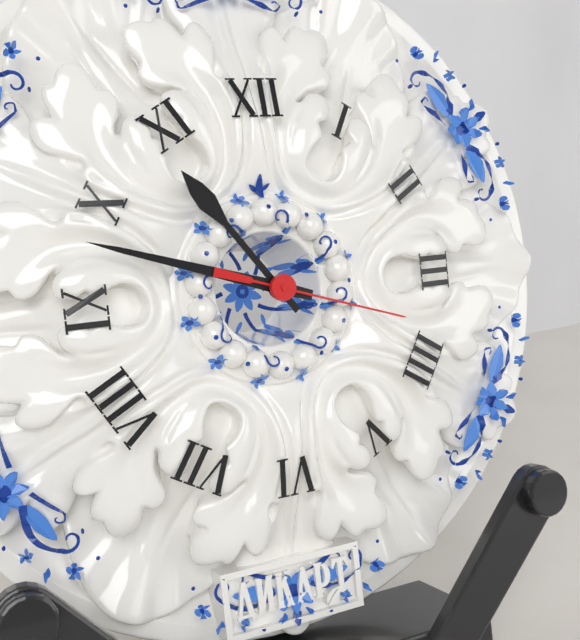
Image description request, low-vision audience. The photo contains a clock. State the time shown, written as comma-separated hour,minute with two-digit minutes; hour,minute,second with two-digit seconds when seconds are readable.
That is 10,48,18
